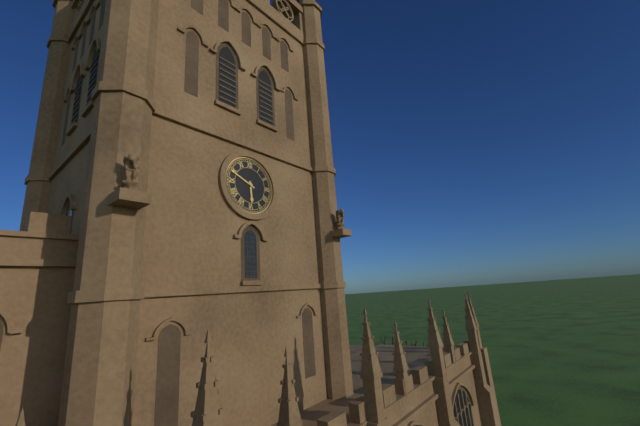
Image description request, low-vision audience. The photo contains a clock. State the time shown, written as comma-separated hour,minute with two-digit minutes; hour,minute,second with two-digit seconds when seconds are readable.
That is 5,49
